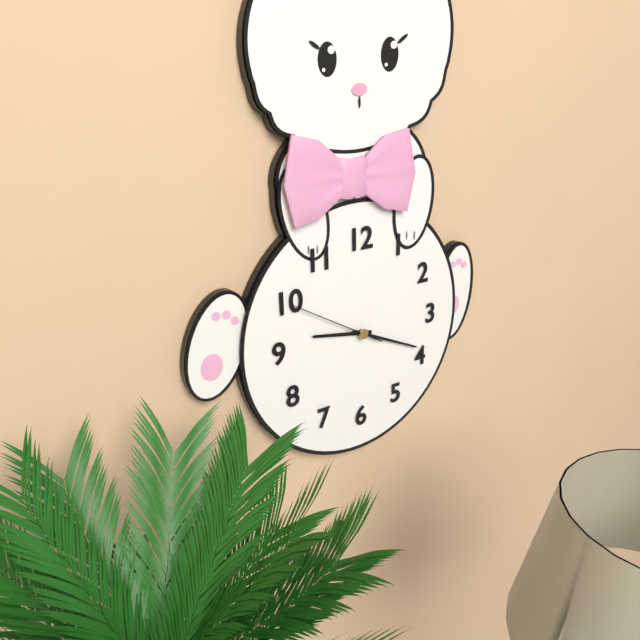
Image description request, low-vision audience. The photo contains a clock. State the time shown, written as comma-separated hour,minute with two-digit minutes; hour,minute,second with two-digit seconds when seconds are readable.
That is 9,19,50
